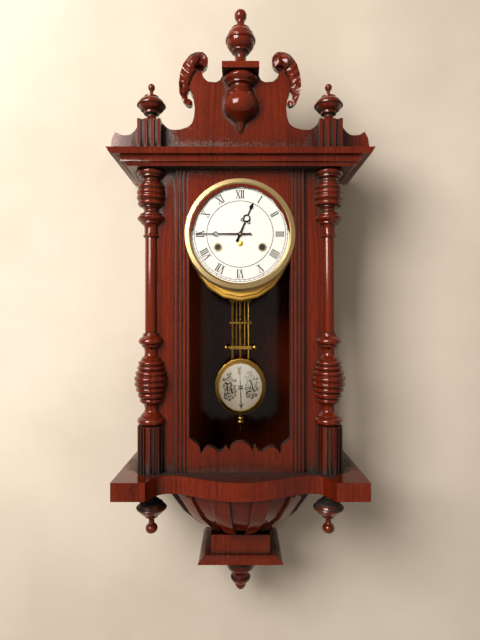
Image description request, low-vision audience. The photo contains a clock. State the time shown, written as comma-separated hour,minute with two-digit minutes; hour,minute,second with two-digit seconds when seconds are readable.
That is 12,45
